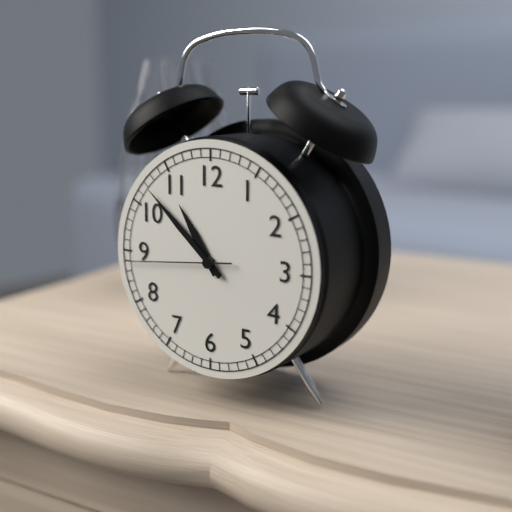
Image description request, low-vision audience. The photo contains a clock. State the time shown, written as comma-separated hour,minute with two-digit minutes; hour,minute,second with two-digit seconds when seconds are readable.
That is 10,52,44
